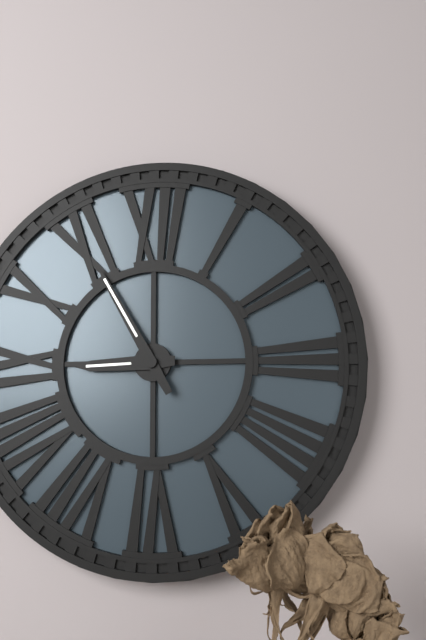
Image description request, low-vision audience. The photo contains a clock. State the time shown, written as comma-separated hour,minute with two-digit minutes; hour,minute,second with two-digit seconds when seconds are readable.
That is 8,55
